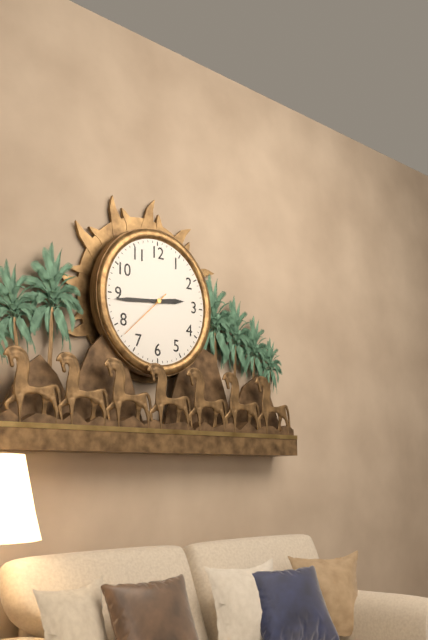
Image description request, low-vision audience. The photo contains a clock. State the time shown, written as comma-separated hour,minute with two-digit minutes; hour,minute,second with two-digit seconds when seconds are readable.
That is 2,44,38
